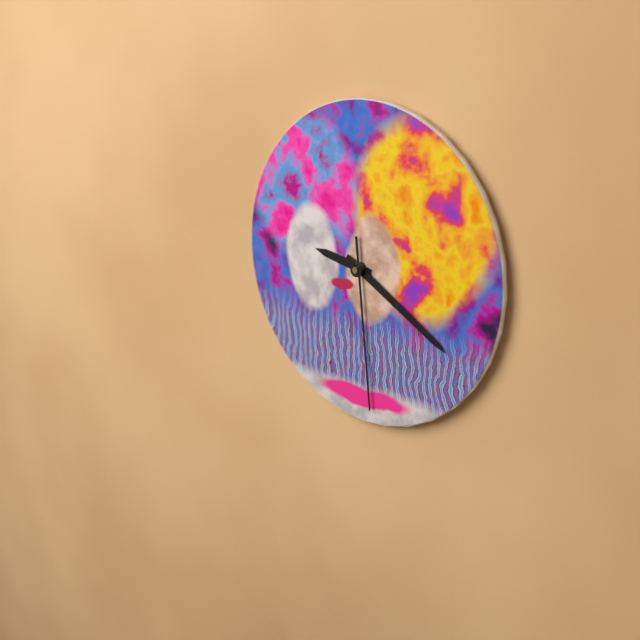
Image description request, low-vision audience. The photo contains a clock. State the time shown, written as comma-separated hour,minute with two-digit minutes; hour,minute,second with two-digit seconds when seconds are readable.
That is 9,20,29
